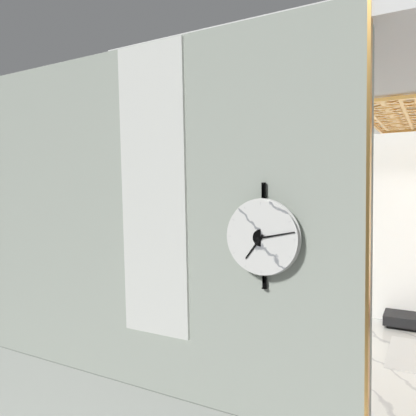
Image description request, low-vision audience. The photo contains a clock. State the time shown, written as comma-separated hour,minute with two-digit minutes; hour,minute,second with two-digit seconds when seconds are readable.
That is 7,13
